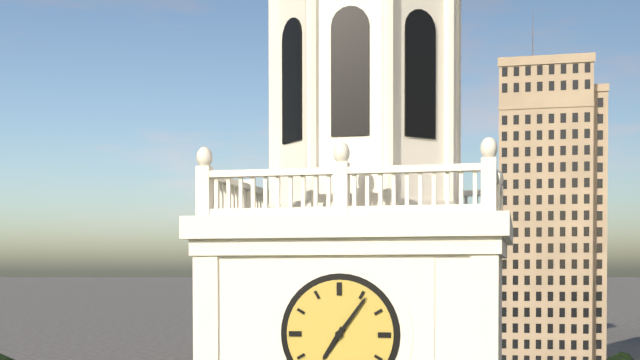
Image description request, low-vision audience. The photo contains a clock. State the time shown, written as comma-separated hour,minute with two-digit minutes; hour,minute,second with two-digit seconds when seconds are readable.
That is 7,06
